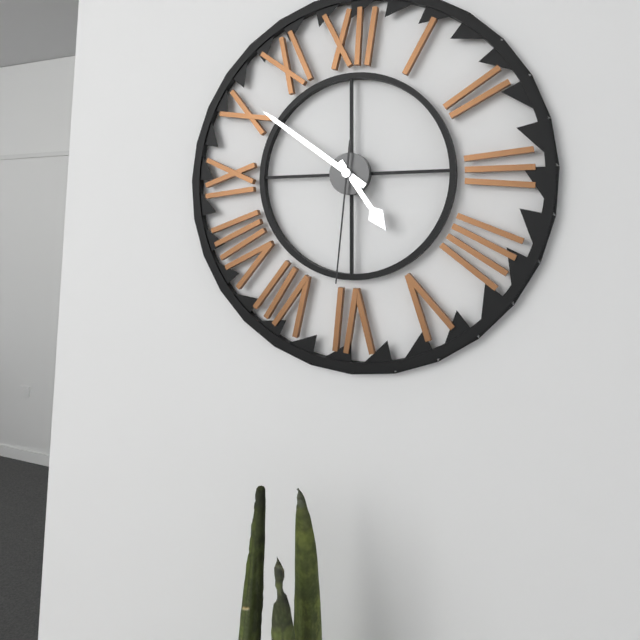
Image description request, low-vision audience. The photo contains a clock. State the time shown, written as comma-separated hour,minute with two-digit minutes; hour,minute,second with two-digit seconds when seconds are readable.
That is 4,51,31
